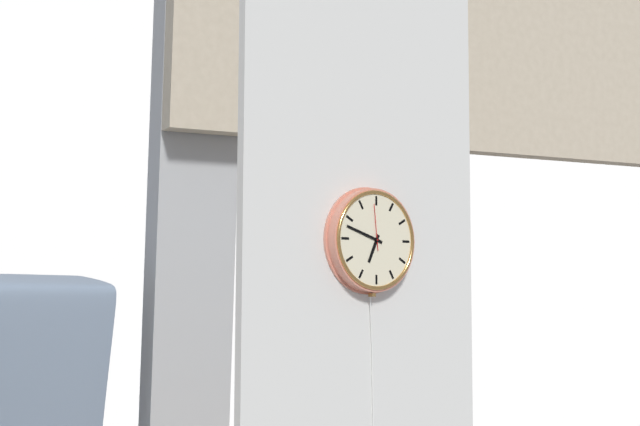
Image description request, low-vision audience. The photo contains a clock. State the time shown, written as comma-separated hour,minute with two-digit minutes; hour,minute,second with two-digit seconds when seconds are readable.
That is 6,48
